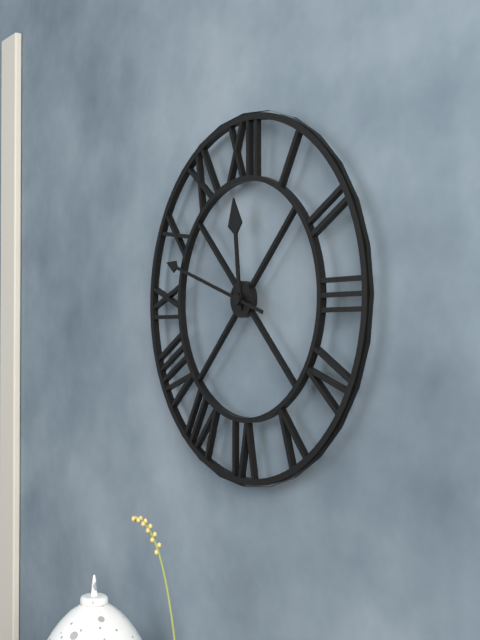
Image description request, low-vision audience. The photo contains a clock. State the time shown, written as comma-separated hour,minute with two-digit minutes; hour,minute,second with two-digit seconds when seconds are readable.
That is 11,48
